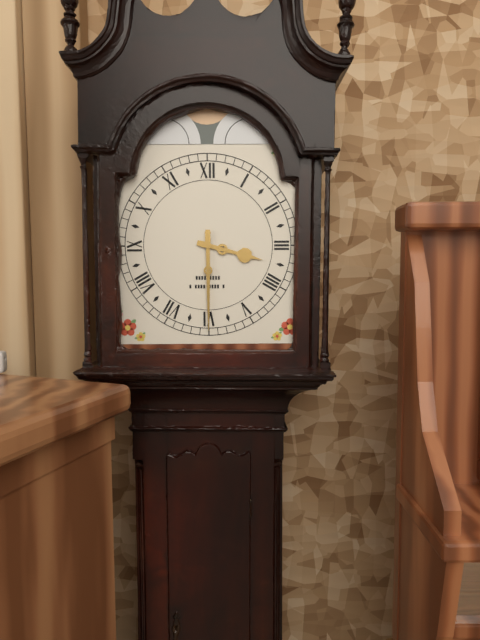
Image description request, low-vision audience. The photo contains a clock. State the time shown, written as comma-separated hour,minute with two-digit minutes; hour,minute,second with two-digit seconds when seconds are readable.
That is 3,30
